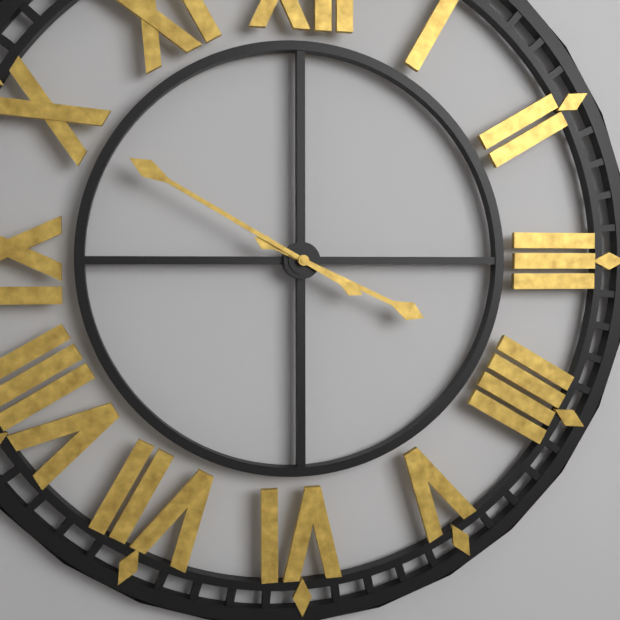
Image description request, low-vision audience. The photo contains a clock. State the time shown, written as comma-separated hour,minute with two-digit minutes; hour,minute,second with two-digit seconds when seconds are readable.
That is 3,50
